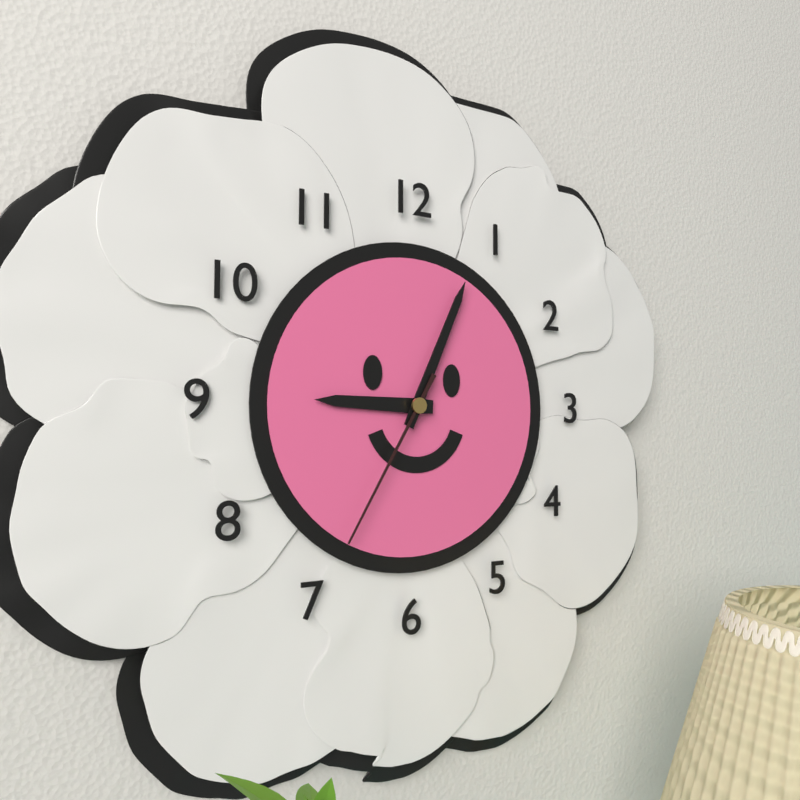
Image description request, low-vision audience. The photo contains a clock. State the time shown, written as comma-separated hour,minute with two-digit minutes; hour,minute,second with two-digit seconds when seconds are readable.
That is 9,04,35
